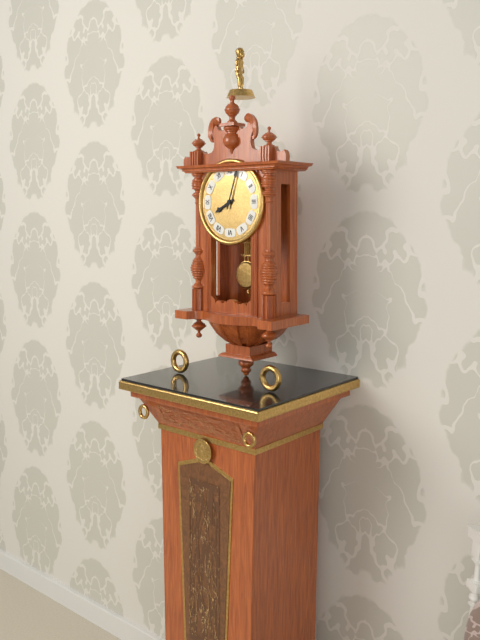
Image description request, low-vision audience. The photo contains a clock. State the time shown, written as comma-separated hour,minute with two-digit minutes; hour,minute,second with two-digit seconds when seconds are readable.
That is 8,03
